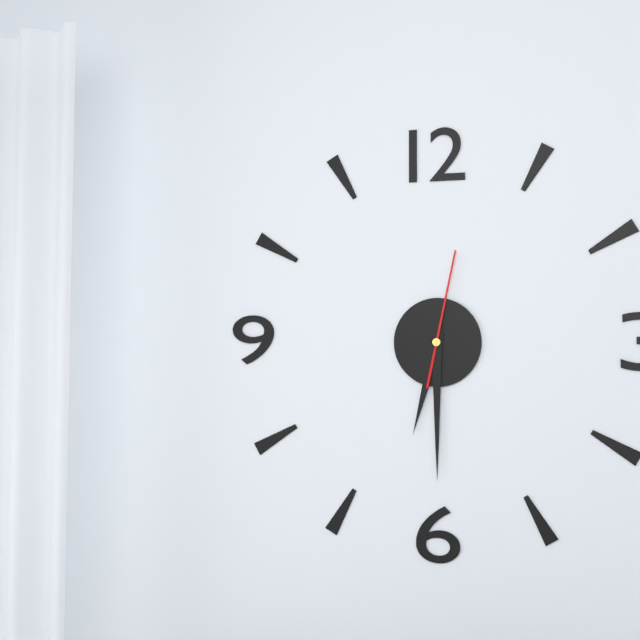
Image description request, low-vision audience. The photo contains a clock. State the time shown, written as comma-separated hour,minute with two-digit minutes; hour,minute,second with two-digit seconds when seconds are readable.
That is 6,30,02
